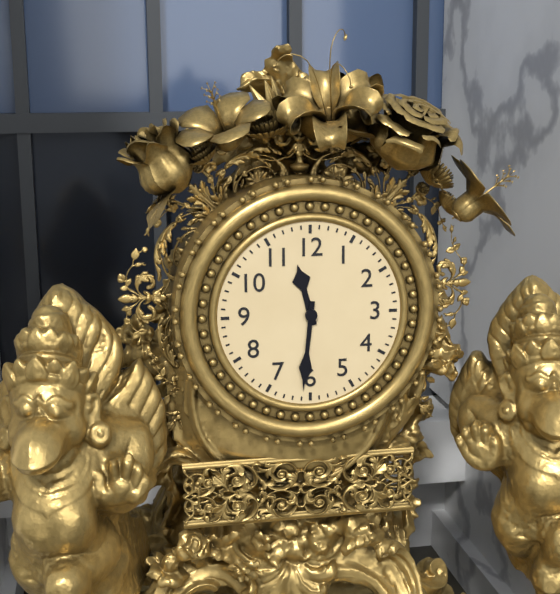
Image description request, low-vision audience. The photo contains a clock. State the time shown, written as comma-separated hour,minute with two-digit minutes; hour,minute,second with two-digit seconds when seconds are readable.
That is 11,31
